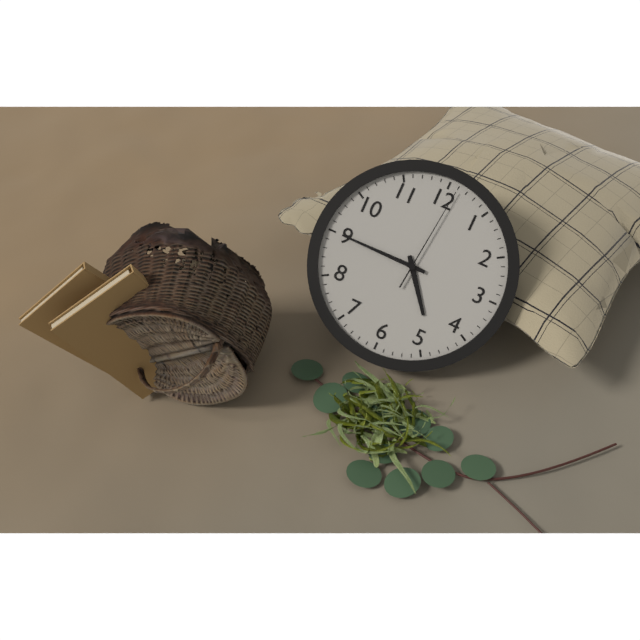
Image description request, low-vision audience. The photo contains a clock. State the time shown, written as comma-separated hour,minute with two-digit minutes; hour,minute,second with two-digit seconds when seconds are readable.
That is 4,45,01
